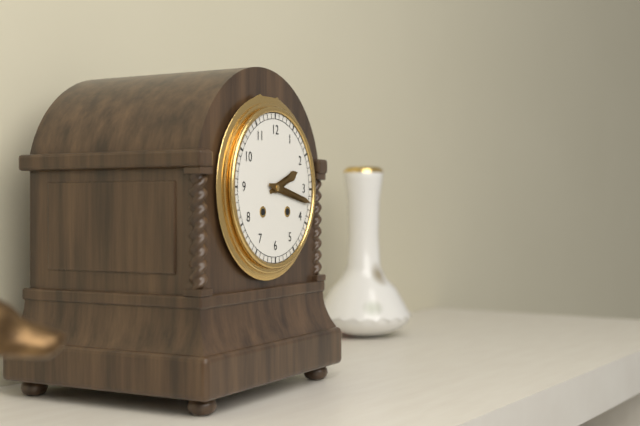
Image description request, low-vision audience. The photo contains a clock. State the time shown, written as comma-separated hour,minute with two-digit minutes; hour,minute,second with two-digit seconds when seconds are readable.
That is 2,17
